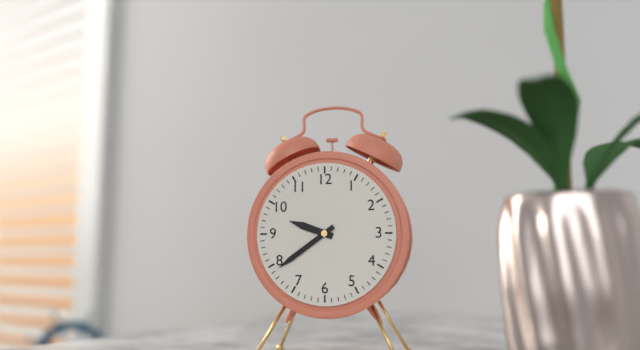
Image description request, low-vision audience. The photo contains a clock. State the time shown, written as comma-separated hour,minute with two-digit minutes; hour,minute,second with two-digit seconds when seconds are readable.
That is 9,39
